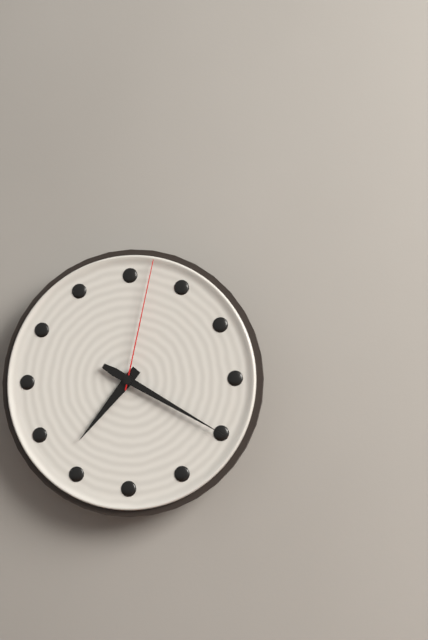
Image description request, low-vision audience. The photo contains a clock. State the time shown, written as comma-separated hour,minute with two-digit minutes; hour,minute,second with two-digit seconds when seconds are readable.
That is 7,20,02
